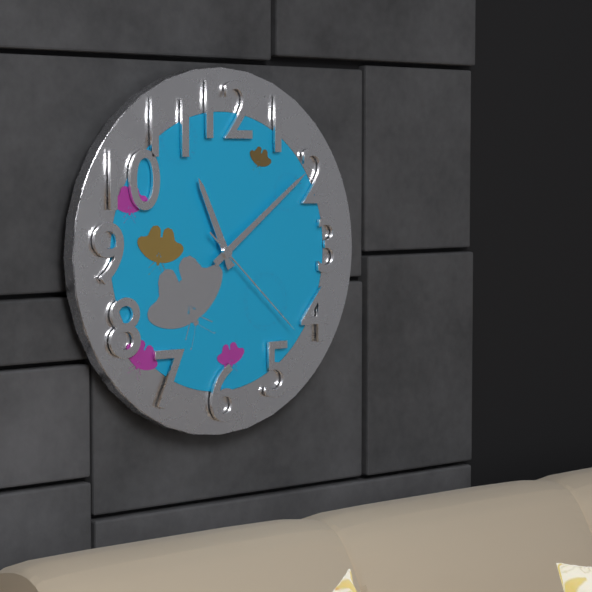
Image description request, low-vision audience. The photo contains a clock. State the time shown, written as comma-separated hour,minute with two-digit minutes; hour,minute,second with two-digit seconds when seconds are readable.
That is 11,09,22
